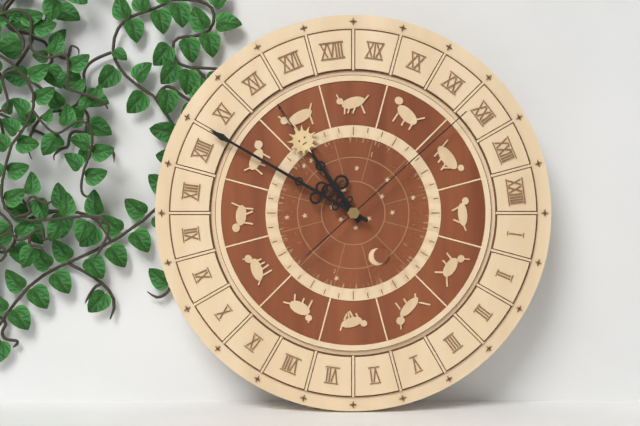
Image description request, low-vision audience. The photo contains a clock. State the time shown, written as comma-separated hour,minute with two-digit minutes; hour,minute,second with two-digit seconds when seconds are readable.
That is 10,50,08
